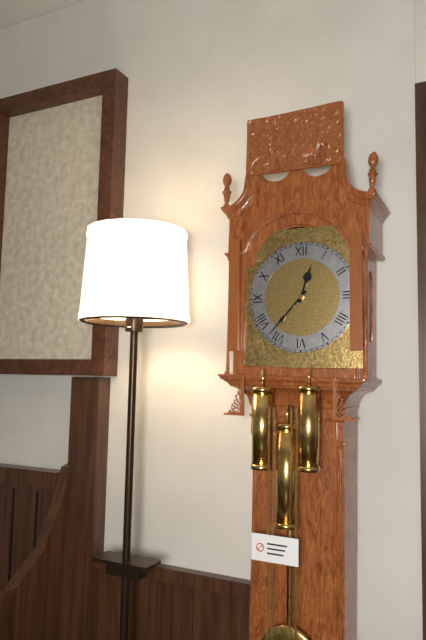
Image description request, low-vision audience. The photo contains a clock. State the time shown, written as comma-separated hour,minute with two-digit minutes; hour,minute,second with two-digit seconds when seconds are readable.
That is 12,37
